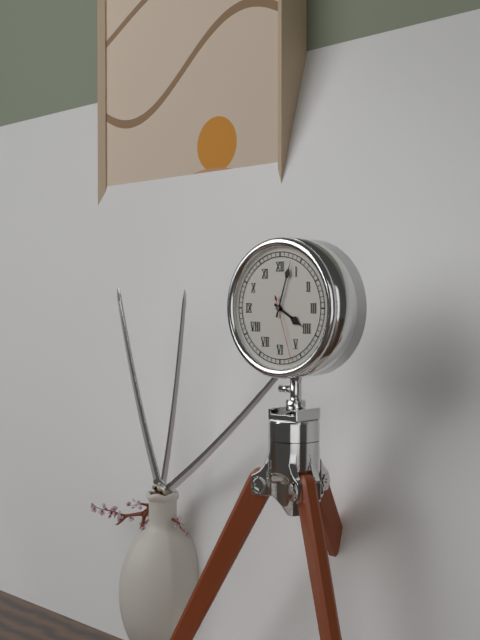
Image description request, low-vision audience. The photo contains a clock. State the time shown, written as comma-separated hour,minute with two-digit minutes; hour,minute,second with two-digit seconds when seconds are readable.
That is 4,03,27
